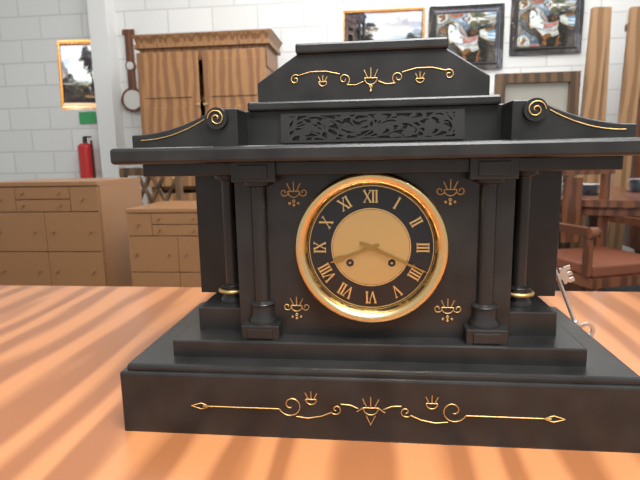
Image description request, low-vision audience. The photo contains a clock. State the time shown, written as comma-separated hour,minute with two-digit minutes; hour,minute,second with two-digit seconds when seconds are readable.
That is 8,19
